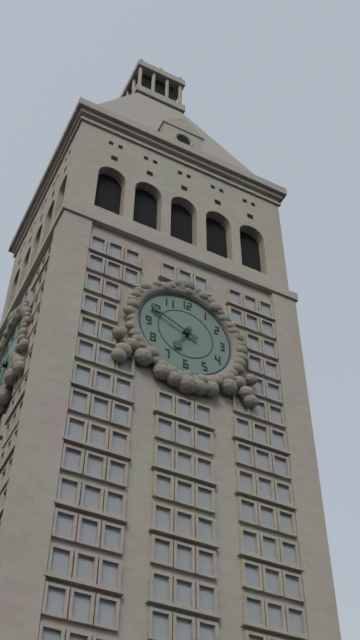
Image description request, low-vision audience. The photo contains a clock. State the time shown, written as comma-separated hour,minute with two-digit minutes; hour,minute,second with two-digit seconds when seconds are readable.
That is 6,49
